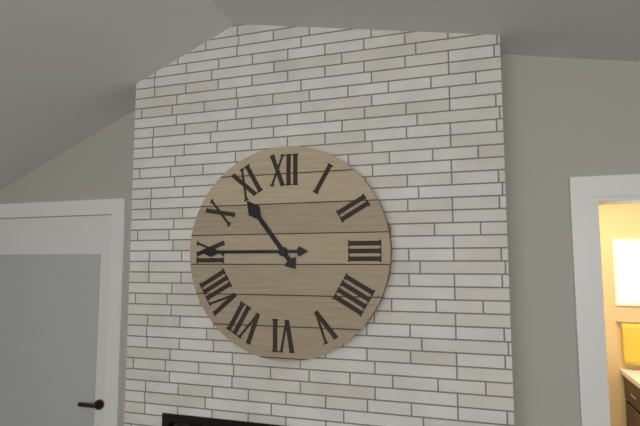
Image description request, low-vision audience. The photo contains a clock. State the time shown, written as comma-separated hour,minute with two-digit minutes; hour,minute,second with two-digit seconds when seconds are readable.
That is 10,45
